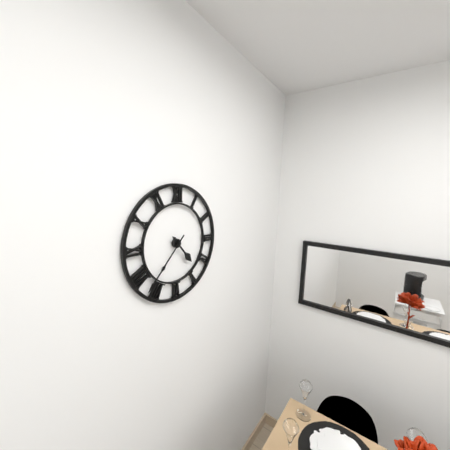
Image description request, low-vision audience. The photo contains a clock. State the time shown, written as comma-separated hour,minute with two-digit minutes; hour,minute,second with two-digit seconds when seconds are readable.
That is 4,37
